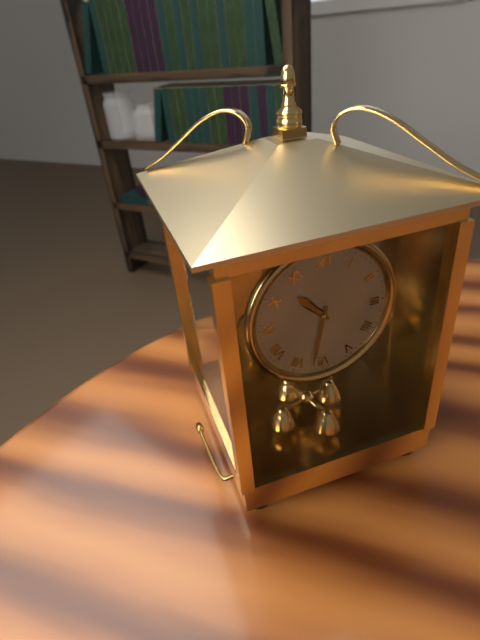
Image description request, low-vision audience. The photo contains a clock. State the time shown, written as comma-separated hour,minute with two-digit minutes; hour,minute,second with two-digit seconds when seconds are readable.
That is 10,32
